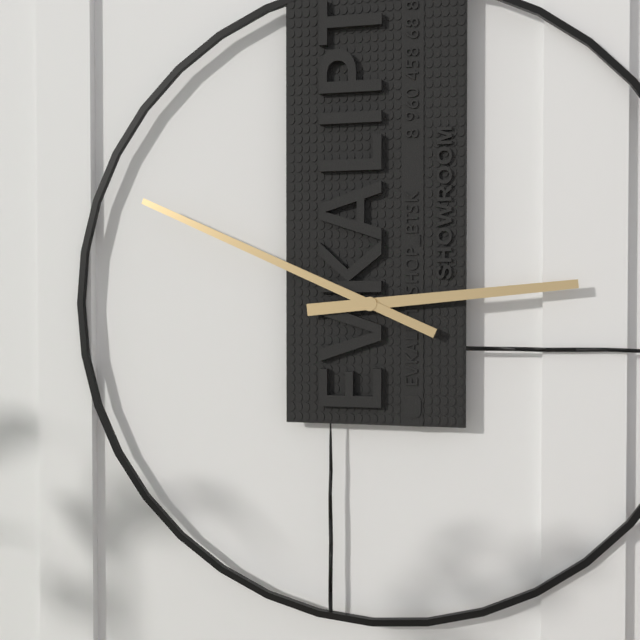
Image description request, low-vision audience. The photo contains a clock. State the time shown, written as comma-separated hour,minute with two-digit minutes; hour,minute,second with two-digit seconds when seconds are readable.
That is 2,49
